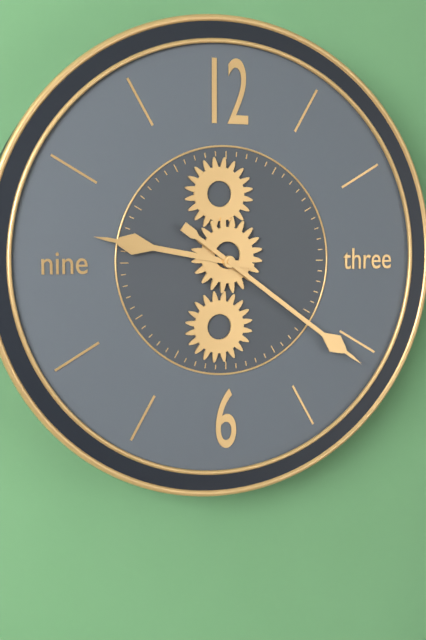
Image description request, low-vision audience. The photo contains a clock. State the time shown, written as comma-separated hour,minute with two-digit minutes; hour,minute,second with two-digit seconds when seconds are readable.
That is 9,21
